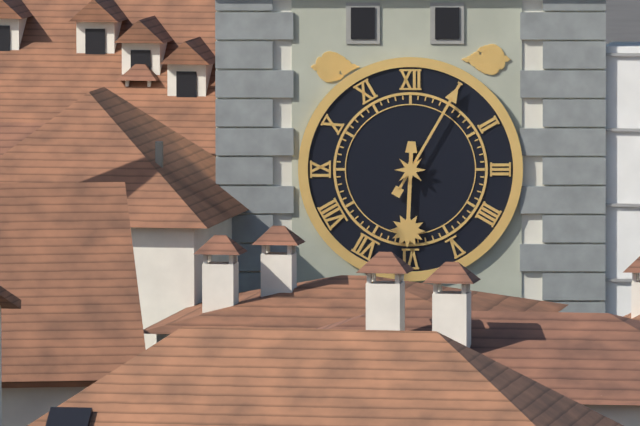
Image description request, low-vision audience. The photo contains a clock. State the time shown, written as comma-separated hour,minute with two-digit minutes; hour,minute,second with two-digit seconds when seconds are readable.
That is 6,05
